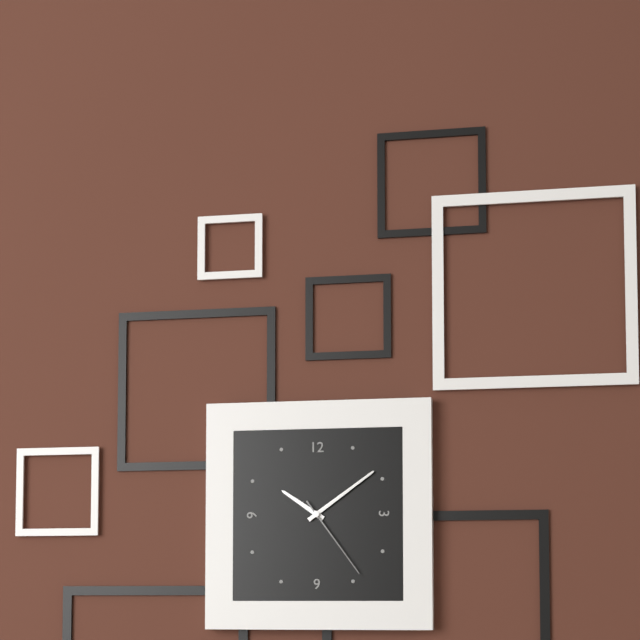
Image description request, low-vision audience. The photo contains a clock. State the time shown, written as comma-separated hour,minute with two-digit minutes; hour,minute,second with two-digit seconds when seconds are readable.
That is 10,09,24
